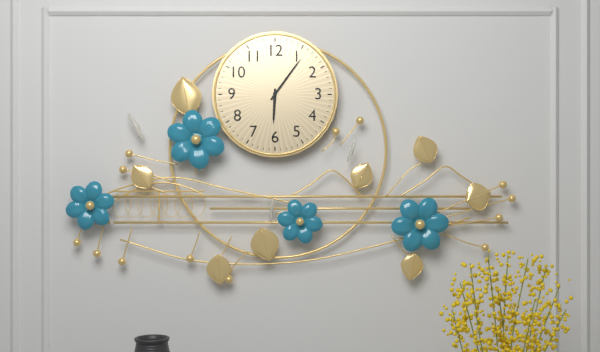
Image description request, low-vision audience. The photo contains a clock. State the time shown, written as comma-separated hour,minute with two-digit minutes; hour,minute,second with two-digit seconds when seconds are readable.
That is 6,06
